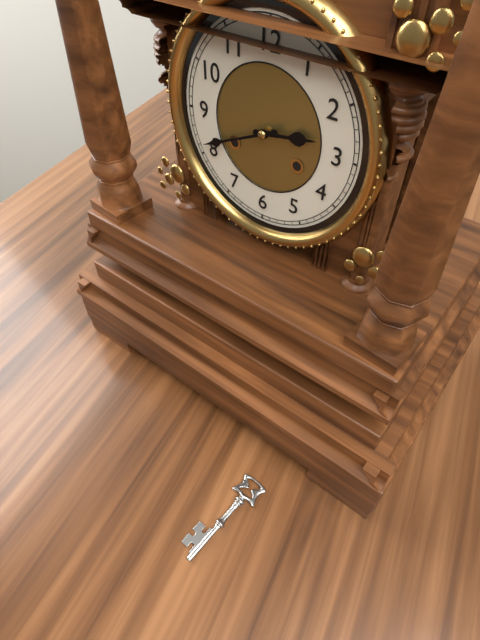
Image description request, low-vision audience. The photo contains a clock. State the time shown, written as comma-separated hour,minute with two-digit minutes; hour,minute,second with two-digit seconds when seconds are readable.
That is 2,41
